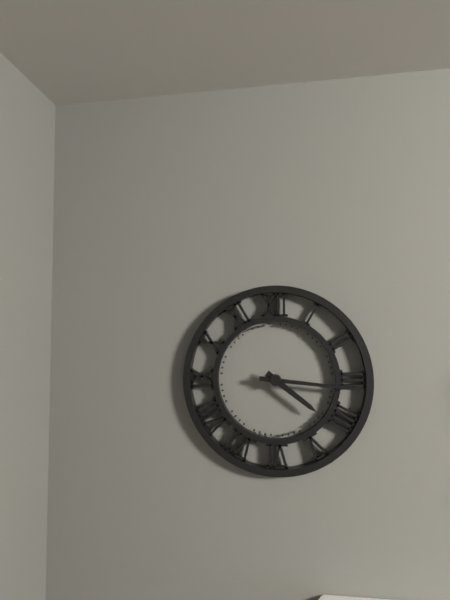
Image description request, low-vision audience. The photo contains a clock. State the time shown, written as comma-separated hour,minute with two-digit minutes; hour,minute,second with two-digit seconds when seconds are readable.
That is 4,16
